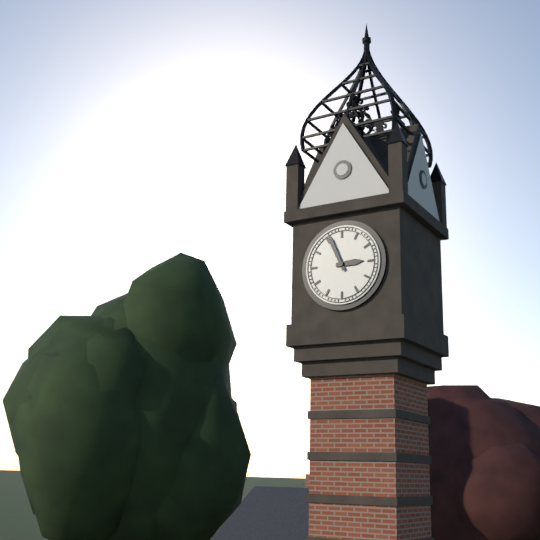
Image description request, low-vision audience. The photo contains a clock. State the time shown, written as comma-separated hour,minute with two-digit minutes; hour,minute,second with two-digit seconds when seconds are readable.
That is 2,56
